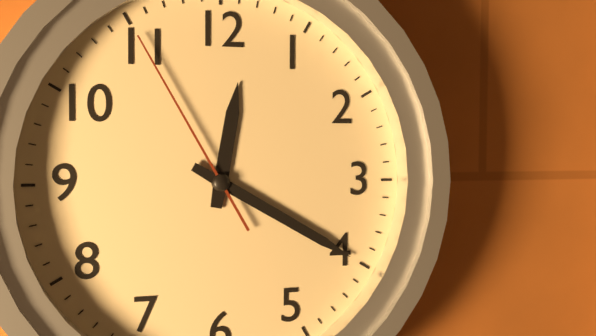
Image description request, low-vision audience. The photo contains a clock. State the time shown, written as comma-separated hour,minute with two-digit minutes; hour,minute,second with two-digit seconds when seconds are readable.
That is 12,20,55
